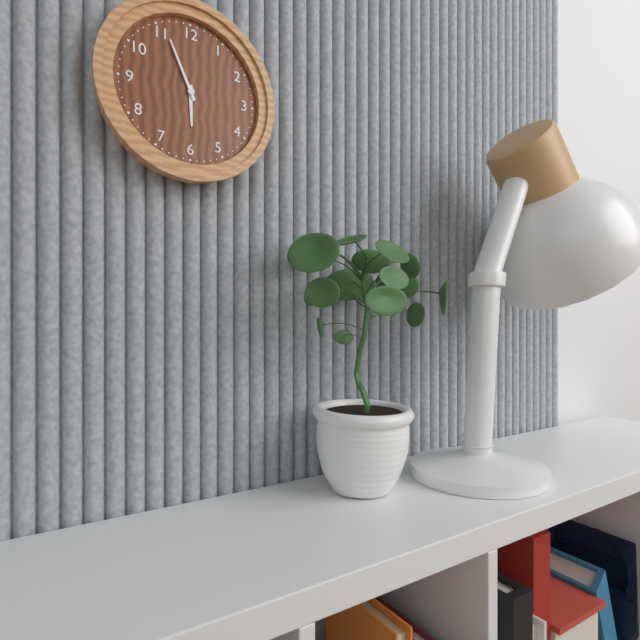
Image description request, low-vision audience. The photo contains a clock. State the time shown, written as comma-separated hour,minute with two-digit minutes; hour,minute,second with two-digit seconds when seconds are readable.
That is 5,56
